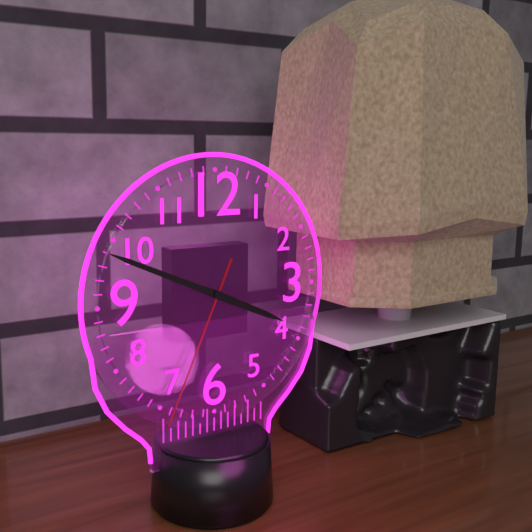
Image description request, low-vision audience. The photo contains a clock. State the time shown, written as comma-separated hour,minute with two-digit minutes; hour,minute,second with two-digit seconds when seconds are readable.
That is 3,49,34
